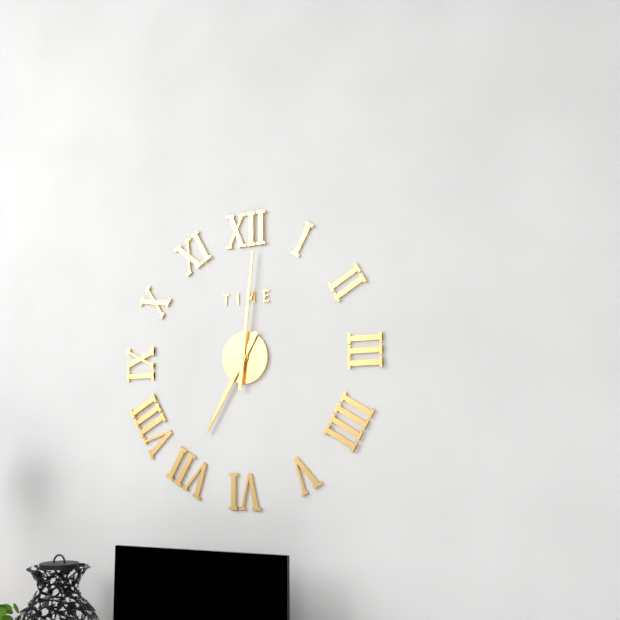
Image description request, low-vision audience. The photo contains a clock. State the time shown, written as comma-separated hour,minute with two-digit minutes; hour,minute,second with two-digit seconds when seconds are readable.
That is 7,01
